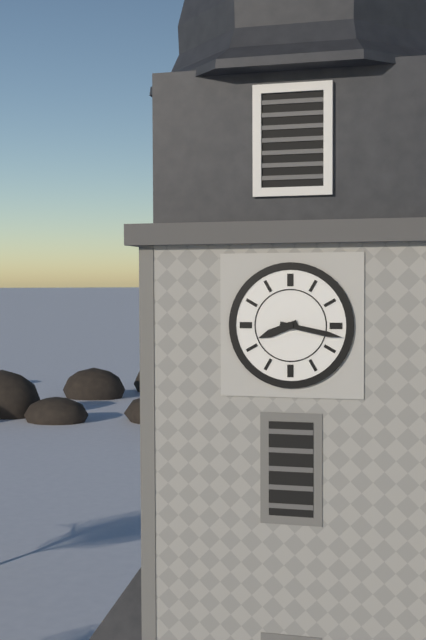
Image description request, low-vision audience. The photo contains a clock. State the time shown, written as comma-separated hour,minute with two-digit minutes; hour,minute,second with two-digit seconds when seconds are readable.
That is 8,17
